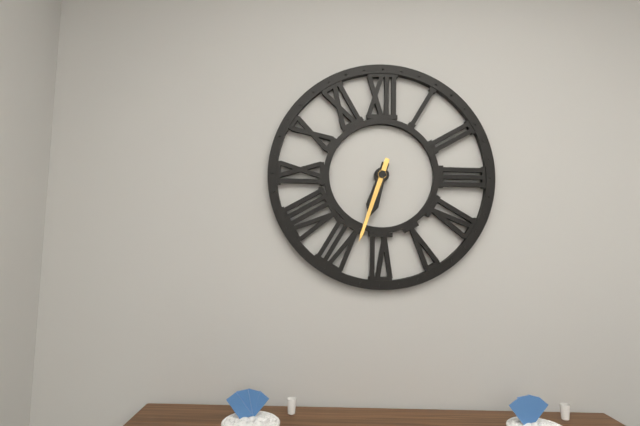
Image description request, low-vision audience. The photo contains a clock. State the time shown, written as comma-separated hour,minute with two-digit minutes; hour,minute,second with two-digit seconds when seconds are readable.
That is 6,33
